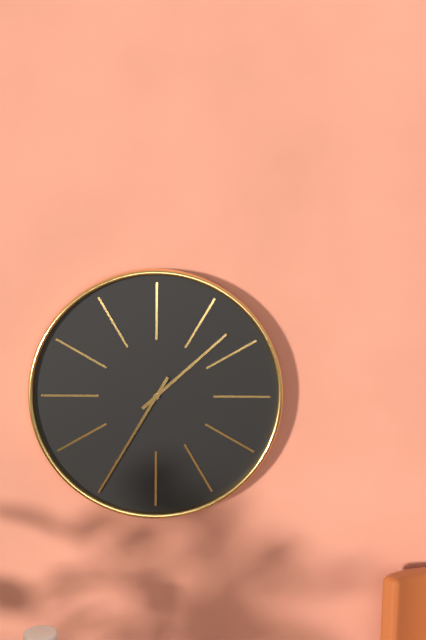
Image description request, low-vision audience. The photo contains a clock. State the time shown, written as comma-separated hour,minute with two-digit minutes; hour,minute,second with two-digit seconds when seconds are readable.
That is 1,35
